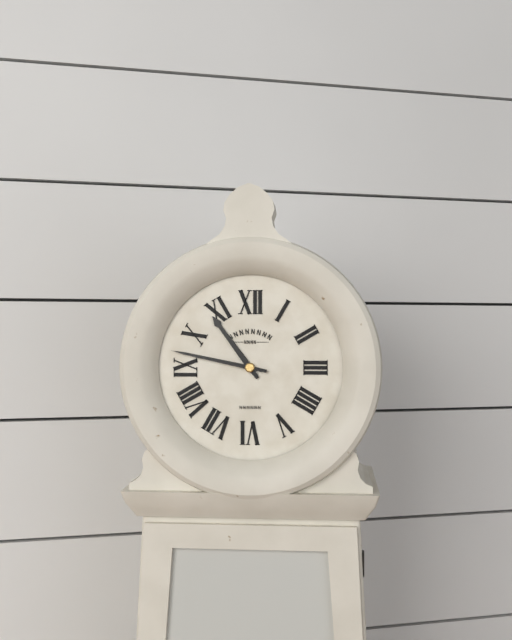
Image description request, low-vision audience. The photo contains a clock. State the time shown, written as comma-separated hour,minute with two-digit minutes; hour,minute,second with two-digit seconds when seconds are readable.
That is 10,47
